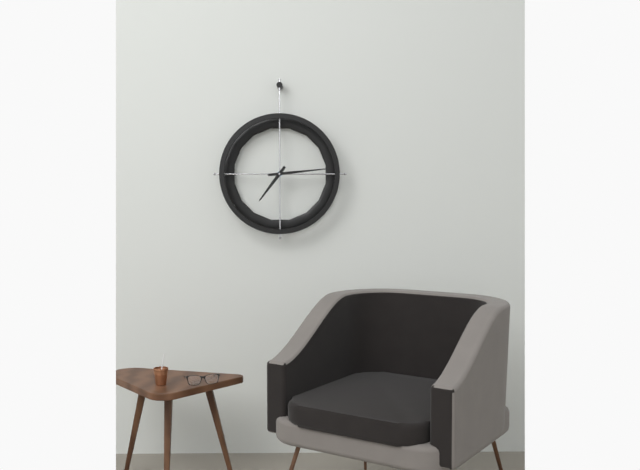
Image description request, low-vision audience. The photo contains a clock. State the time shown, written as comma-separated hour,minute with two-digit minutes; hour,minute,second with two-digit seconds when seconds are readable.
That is 7,14
